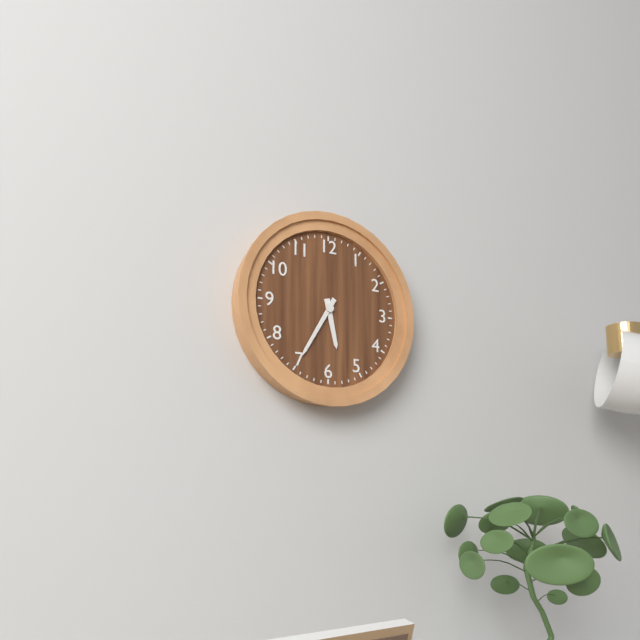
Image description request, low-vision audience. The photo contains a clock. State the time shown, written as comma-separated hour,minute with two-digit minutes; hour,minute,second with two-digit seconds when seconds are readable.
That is 5,35
